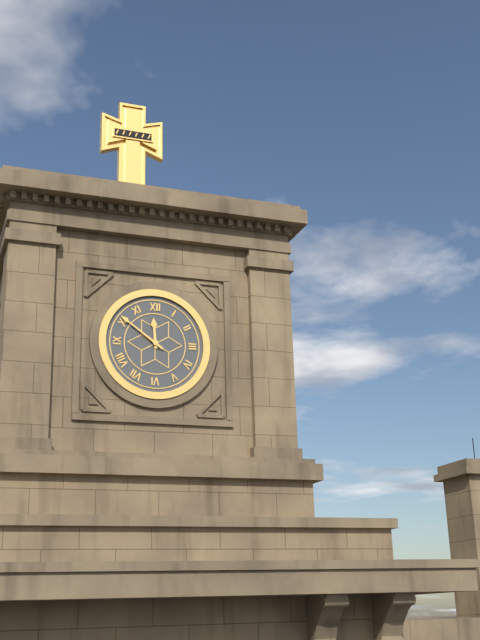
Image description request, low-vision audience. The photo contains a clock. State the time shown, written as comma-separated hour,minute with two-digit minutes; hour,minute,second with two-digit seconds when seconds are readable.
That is 11,51
